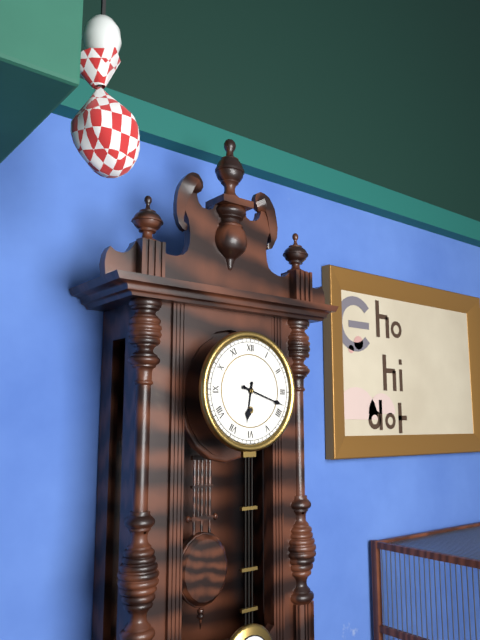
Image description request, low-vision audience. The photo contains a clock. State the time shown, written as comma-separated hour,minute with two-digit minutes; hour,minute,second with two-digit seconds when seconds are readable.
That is 6,18
